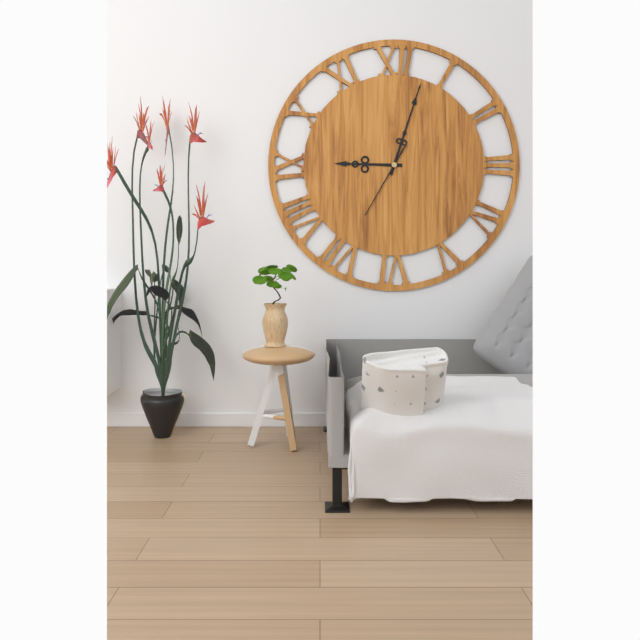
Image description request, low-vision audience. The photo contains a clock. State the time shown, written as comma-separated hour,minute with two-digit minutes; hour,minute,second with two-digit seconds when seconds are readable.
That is 9,03,35
